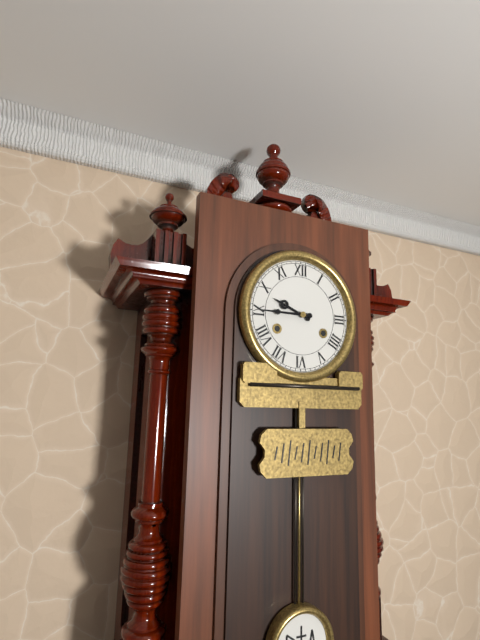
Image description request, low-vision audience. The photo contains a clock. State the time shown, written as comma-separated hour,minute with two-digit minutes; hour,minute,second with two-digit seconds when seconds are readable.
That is 9,45
